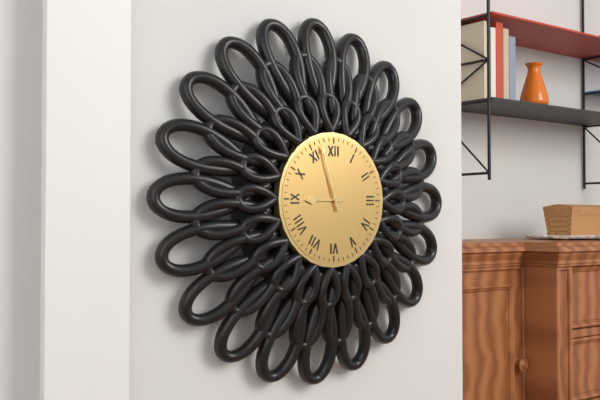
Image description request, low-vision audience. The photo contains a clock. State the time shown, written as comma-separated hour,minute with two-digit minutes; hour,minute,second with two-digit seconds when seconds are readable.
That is 8,57
